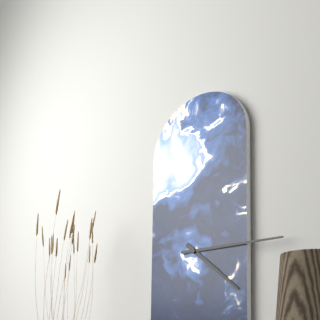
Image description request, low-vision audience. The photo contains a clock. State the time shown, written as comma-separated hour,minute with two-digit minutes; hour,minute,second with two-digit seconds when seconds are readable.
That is 4,15
